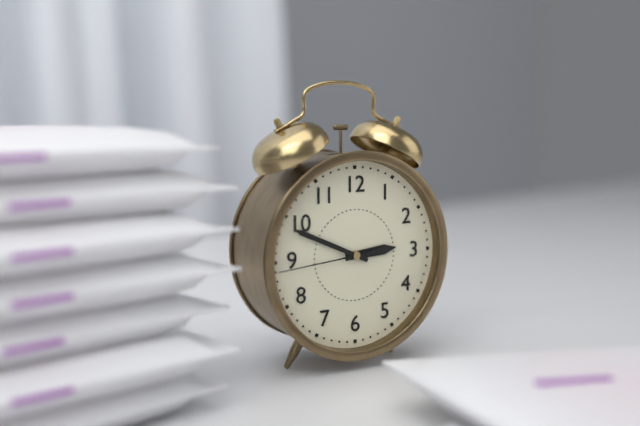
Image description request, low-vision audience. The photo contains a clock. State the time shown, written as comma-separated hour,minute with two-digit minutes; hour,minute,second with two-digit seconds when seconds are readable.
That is 2,49,44
